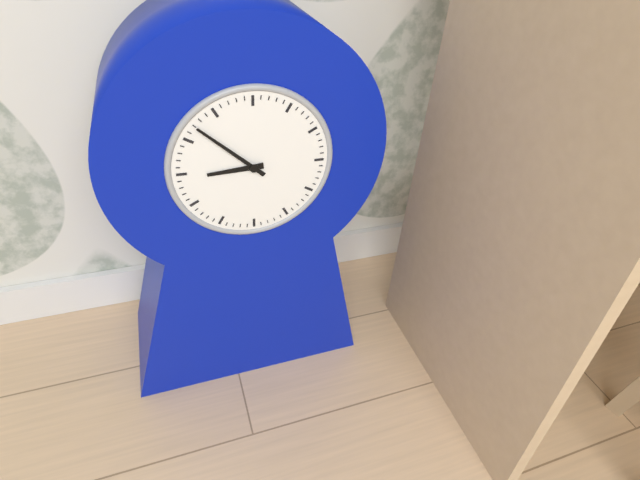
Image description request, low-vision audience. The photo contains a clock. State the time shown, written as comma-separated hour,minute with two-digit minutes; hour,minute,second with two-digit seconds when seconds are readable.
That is 8,52
